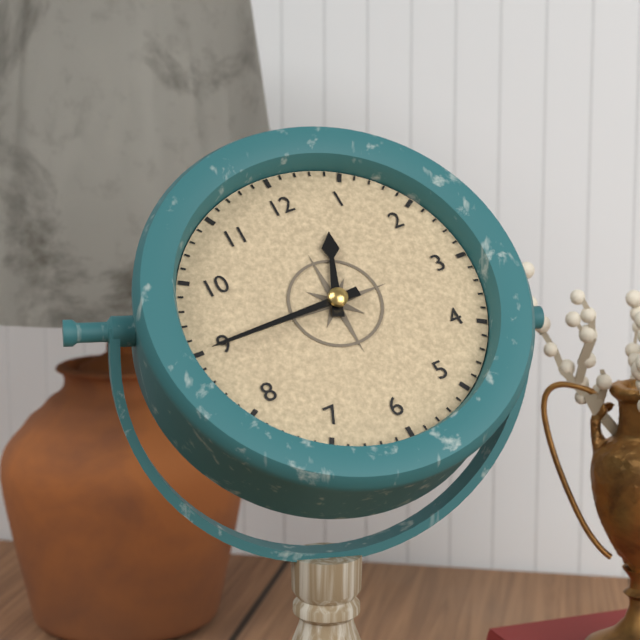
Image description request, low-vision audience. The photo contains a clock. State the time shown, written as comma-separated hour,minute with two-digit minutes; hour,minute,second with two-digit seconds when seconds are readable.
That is 12,45
